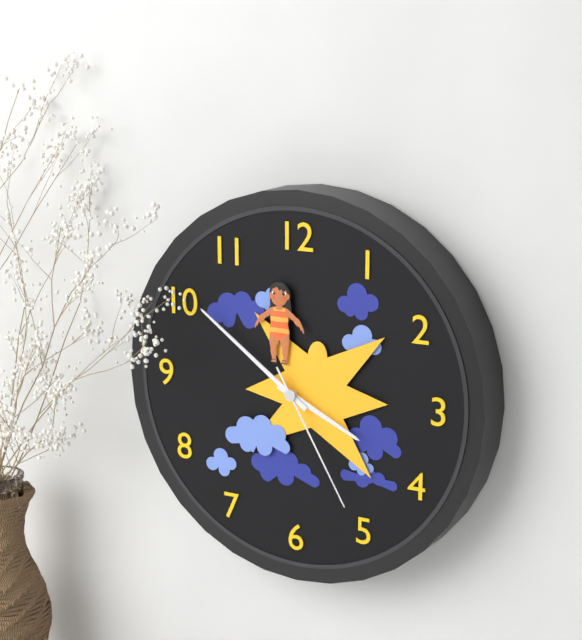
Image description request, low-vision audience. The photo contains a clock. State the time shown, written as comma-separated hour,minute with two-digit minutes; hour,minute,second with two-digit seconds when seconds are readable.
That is 3,51,25
